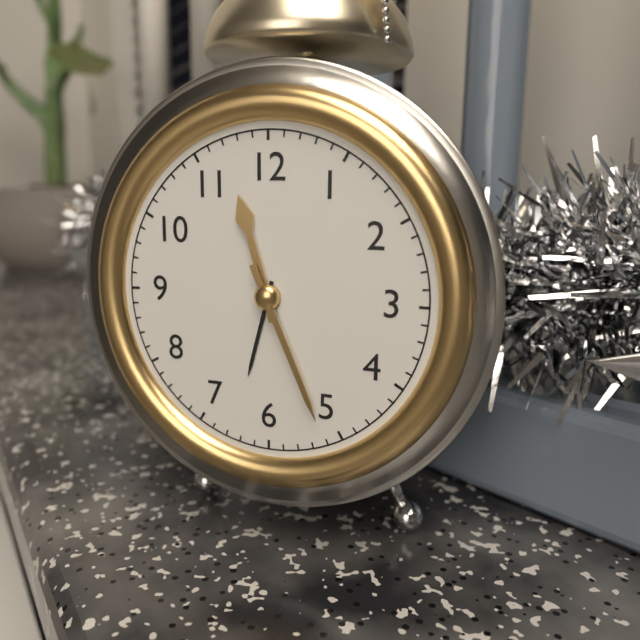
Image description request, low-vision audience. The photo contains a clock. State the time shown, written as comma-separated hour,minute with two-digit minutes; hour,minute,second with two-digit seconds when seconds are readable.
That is 11,26
